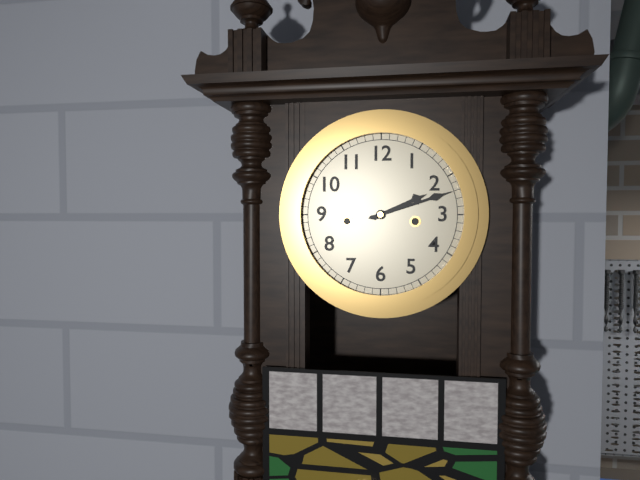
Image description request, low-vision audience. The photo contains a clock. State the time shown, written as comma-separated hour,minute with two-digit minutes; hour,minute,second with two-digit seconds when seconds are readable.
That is 2,12
